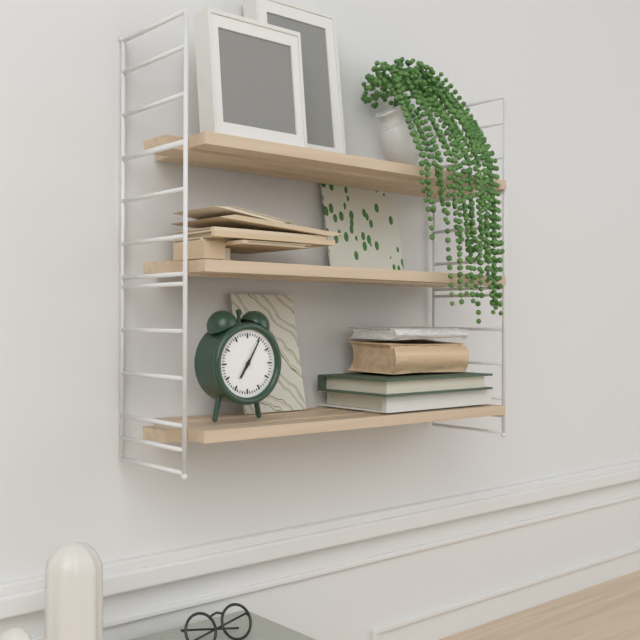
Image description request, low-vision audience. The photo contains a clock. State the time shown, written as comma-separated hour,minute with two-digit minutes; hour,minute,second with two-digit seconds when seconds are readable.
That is 7,05
